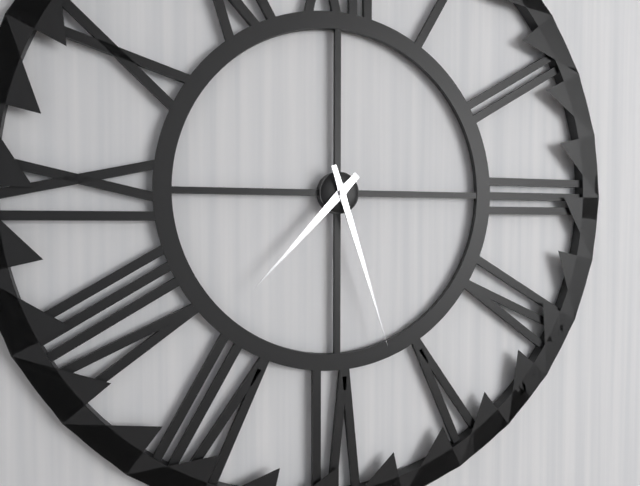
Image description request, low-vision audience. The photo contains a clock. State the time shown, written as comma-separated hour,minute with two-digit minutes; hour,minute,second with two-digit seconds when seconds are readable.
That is 7,27
